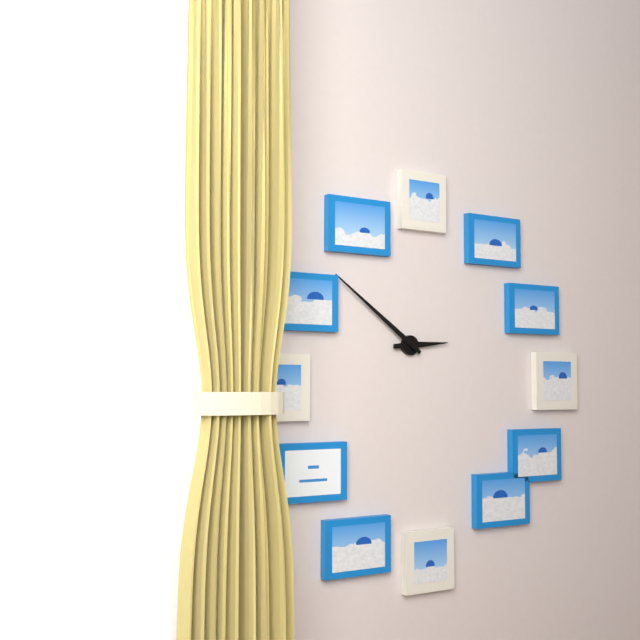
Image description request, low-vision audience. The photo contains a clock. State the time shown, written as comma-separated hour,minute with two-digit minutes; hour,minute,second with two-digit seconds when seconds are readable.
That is 2,51
